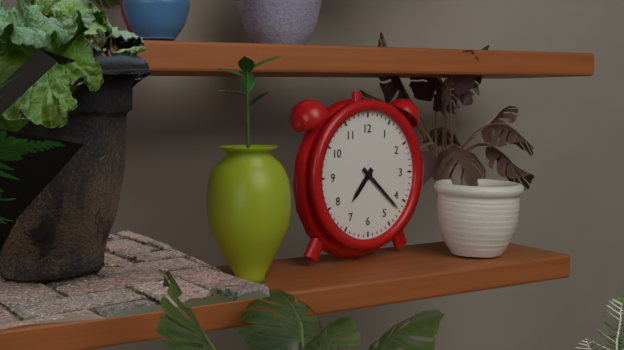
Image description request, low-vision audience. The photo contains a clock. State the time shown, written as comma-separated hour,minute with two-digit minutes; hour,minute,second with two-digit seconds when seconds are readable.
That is 7,22
